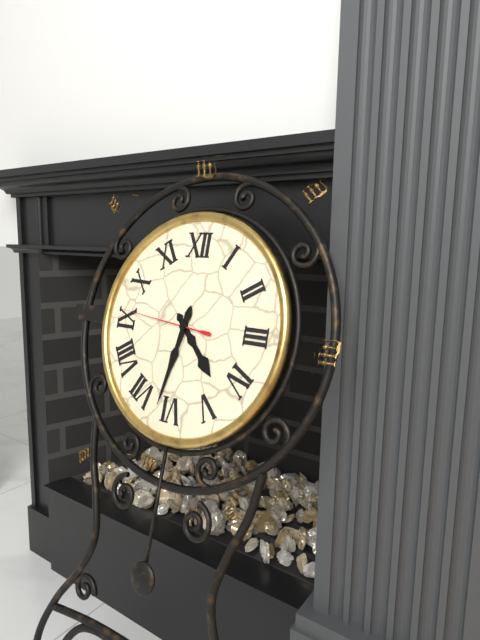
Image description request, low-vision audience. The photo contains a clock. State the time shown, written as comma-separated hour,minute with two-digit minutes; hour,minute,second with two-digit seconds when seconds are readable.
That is 4,32,46
